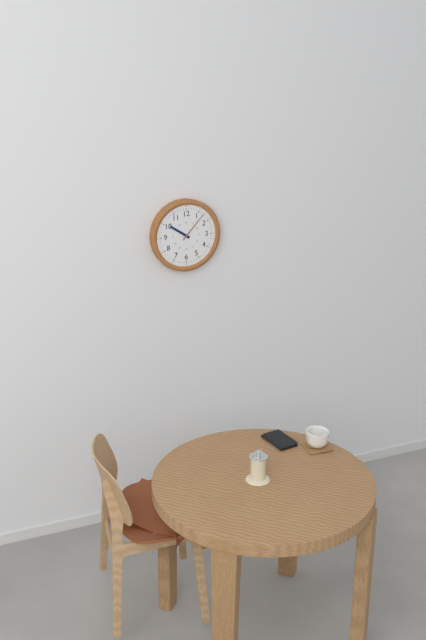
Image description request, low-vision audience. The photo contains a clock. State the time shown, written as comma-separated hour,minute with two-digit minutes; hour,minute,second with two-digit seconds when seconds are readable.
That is 10,07
